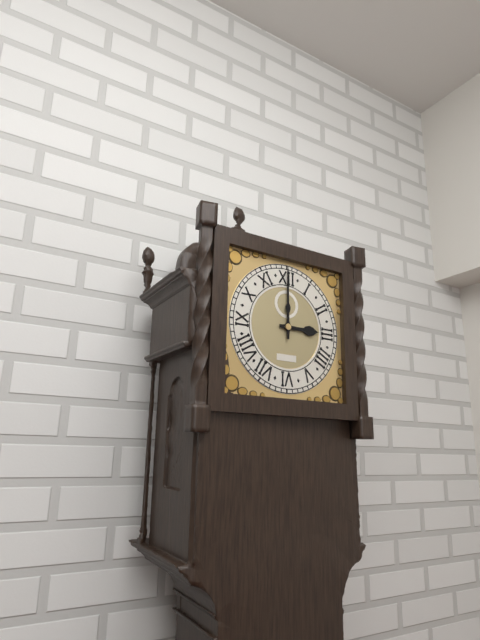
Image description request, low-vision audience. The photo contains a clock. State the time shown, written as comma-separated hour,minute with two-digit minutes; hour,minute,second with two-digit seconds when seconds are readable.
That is 3,00
